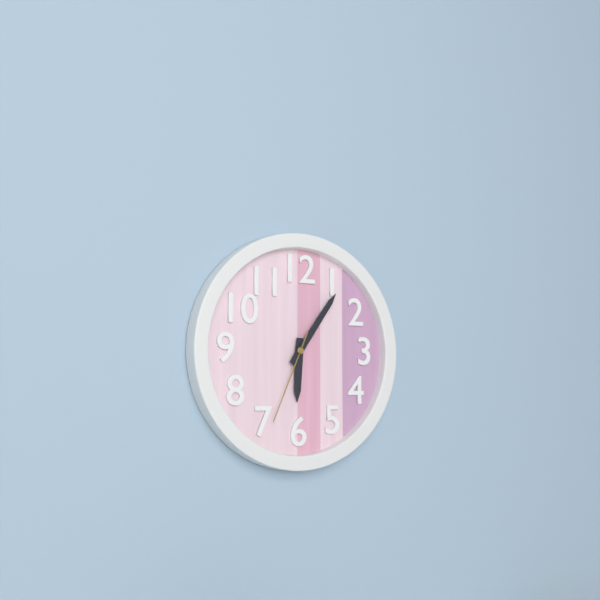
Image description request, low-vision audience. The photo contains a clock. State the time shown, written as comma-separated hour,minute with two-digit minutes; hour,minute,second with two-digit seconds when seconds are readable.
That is 6,06,34
